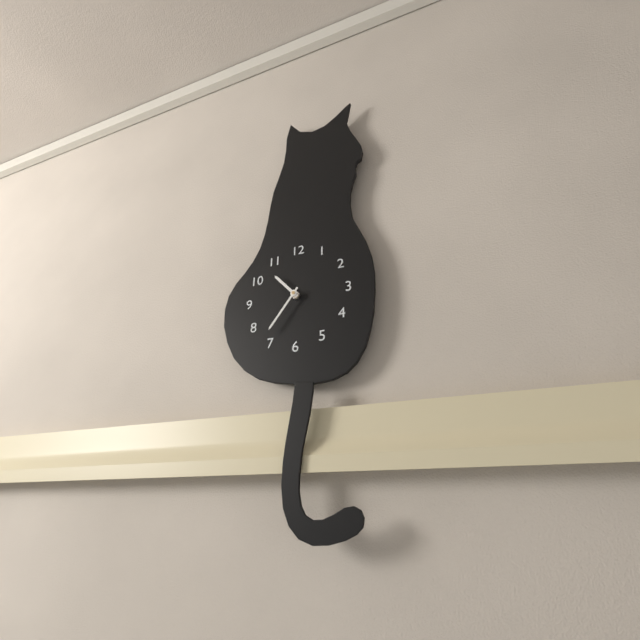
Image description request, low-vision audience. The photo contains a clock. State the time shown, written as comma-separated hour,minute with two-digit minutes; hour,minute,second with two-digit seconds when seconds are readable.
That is 10,36
